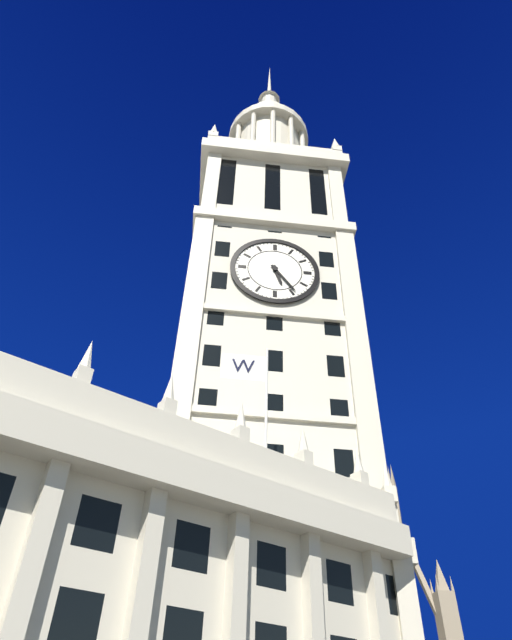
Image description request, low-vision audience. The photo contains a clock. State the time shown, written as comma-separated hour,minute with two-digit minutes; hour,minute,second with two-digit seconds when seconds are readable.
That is 5,24
